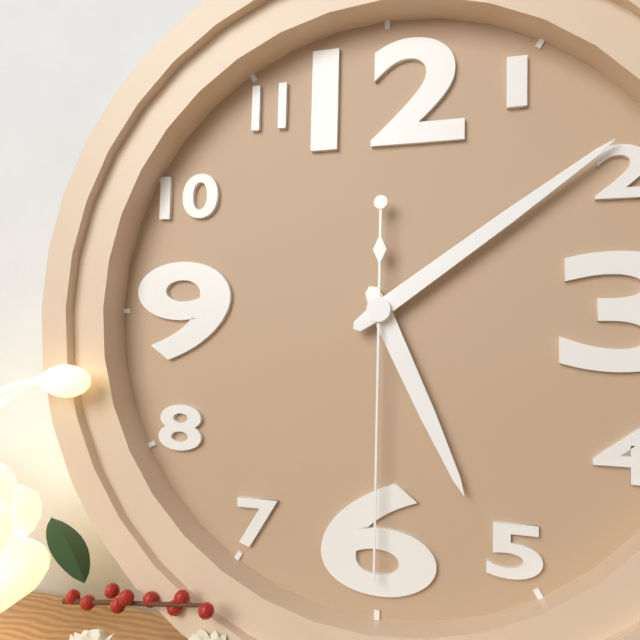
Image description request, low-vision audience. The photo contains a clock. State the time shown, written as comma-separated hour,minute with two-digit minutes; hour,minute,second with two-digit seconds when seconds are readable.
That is 5,09,30
